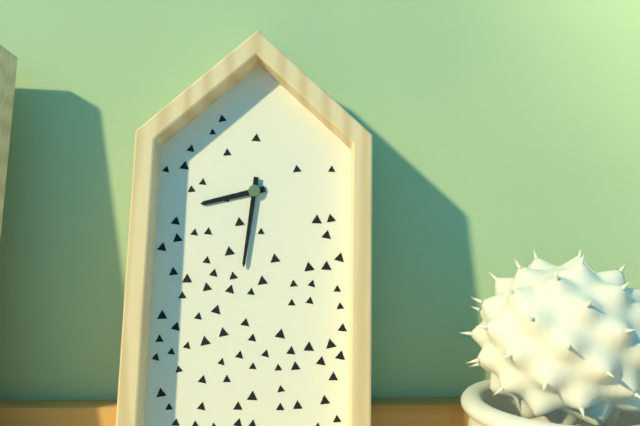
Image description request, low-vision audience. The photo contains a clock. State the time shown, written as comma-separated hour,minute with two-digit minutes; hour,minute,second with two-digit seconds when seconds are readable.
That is 8,31
